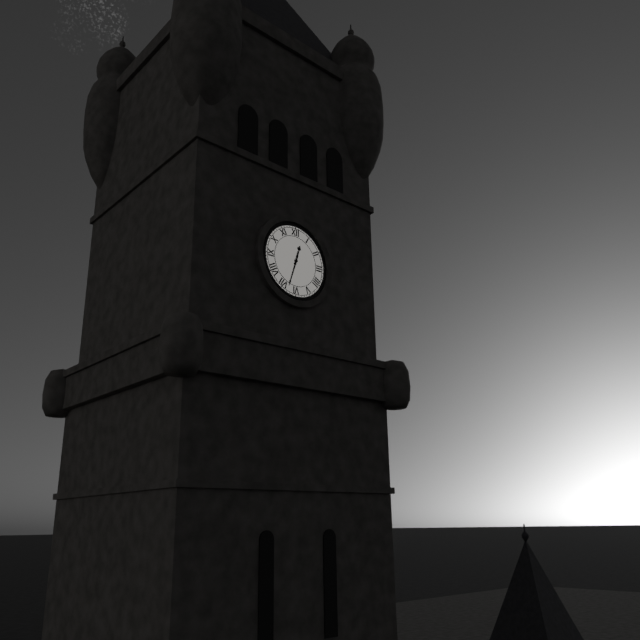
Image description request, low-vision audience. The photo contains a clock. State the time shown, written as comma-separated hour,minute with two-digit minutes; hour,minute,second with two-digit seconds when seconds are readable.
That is 12,33
